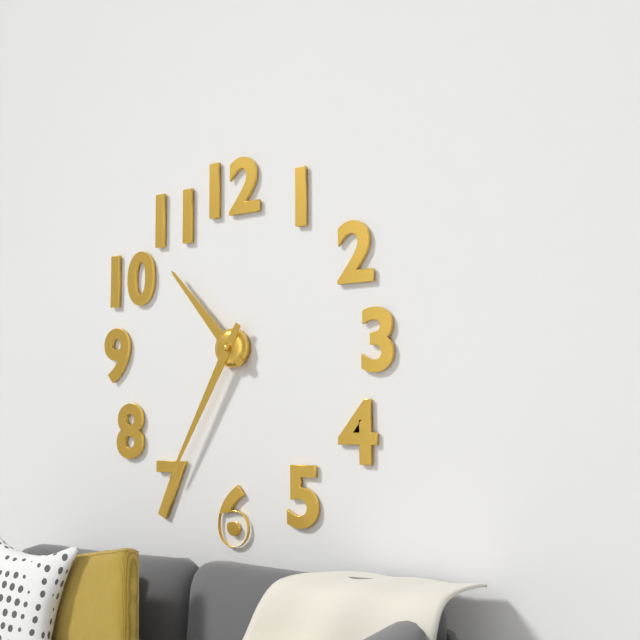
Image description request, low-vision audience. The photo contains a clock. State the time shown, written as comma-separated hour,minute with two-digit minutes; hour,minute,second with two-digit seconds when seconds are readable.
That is 10,35
